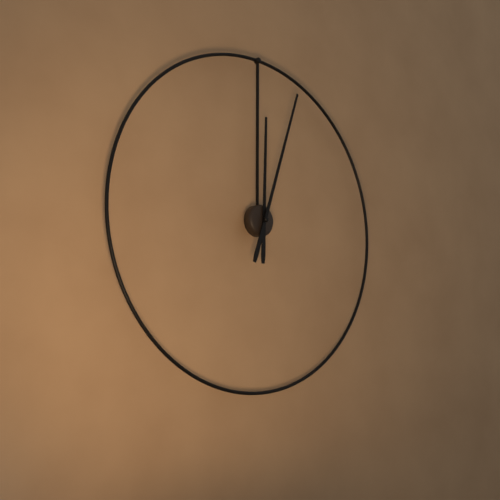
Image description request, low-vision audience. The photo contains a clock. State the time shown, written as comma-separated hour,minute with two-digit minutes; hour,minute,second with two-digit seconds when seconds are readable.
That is 12,03
